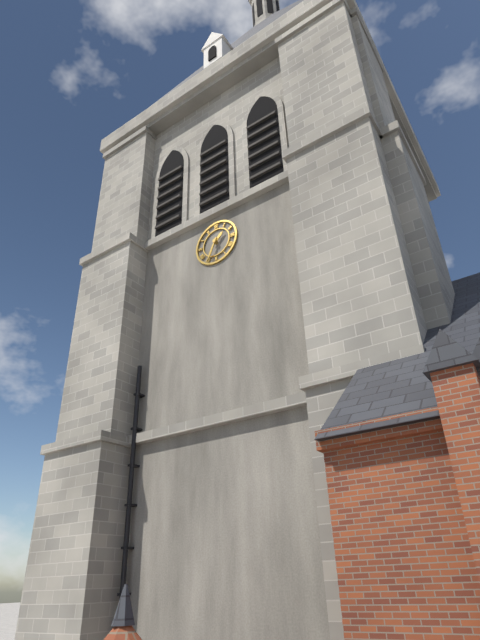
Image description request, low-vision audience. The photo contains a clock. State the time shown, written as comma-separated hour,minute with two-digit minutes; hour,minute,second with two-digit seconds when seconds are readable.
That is 1,34
